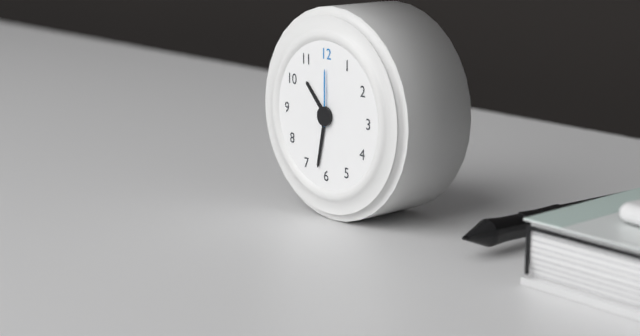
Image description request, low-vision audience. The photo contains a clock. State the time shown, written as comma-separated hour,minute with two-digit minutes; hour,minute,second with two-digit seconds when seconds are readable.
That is 10,32,00
